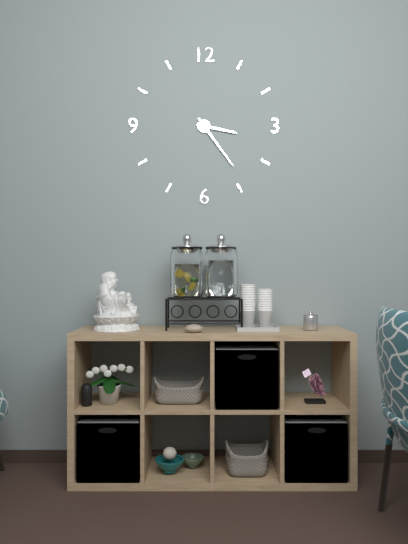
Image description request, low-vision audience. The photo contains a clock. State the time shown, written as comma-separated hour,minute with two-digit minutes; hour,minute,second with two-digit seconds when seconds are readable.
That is 3,24
